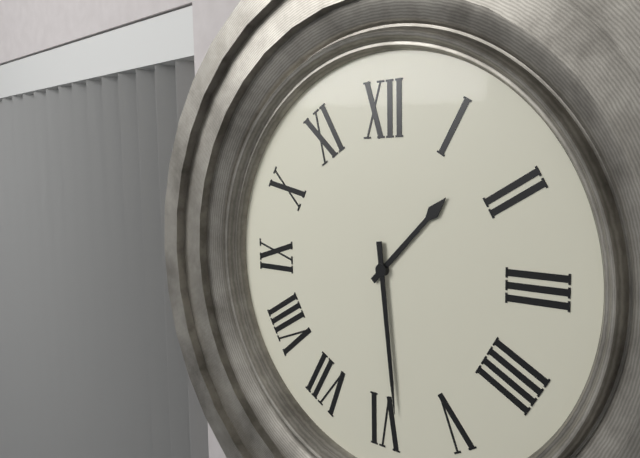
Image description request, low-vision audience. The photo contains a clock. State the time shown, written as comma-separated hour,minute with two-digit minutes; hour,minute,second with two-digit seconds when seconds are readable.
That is 1,29
